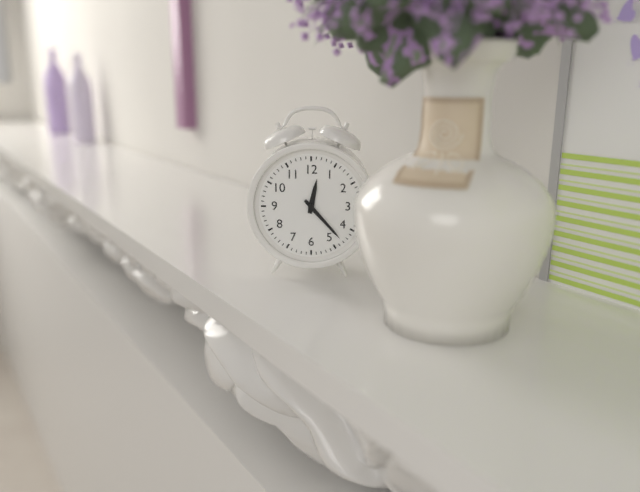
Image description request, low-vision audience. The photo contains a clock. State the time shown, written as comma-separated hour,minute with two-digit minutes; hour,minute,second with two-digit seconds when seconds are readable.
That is 12,23
